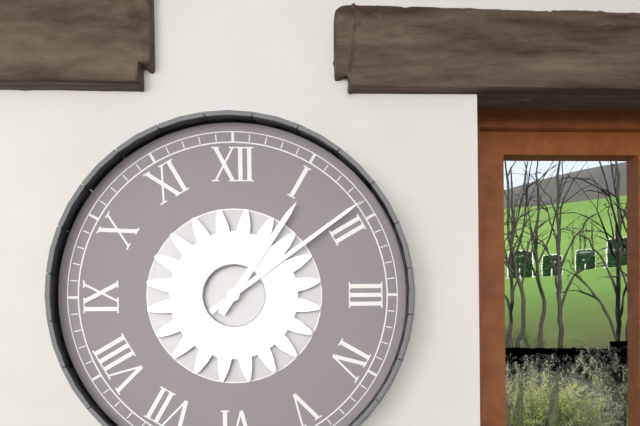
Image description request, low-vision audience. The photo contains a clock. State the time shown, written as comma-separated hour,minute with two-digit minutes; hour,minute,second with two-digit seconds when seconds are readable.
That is 1,09
